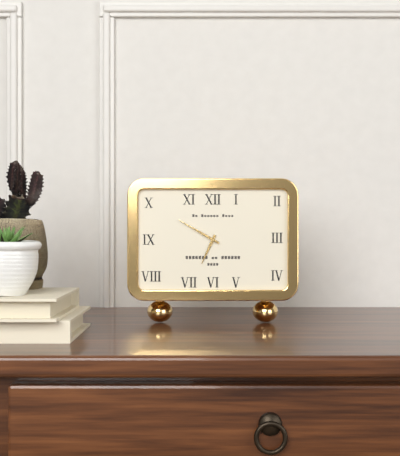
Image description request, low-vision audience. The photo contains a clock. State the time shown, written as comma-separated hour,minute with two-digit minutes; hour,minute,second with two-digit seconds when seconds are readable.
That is 6,50
